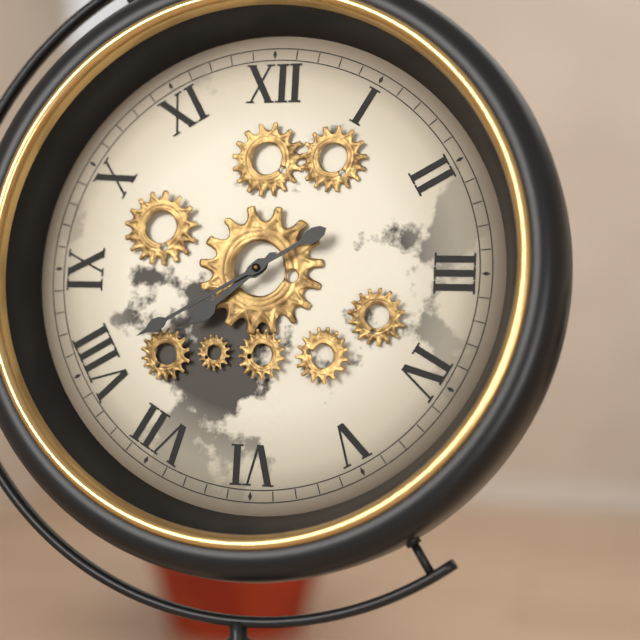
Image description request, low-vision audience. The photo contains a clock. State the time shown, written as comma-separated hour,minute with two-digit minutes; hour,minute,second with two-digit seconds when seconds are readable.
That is 7,40
